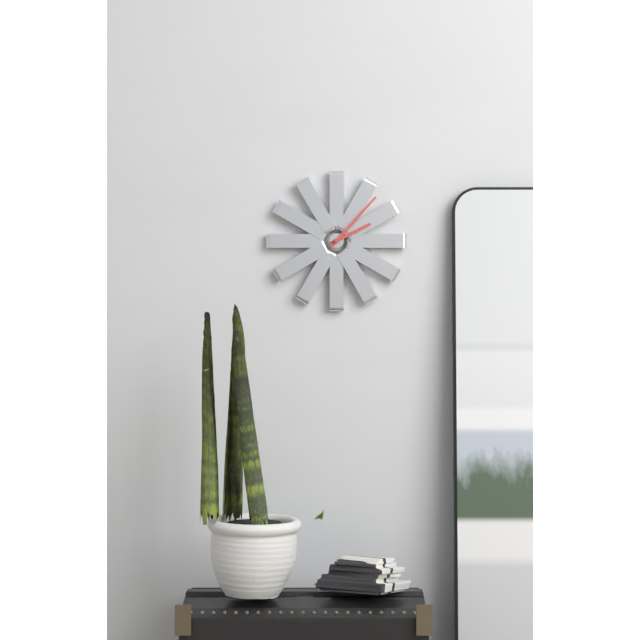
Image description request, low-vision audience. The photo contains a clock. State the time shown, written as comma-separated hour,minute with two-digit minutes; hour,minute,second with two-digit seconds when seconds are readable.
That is 2,07
